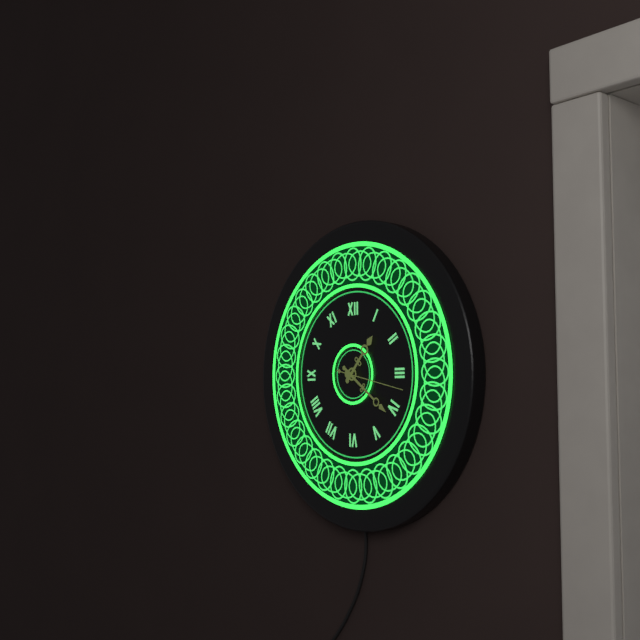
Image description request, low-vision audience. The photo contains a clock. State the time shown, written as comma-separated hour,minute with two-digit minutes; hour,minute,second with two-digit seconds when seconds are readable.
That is 1,21,17
